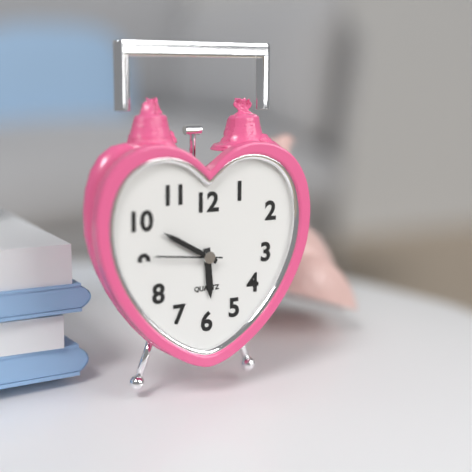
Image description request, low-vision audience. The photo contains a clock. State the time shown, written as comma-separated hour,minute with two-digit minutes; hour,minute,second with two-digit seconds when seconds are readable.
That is 5,50,46
